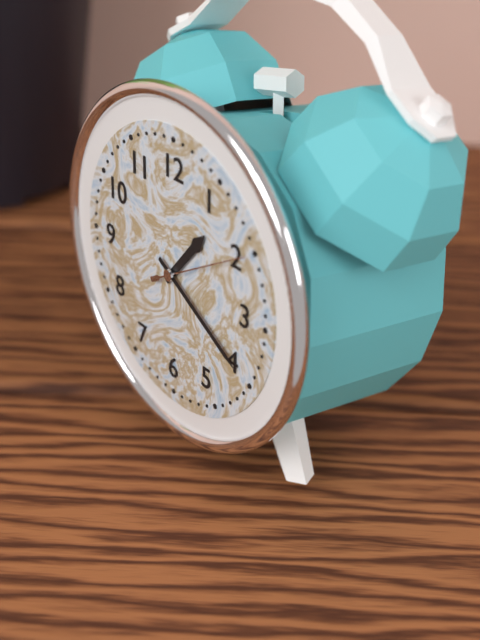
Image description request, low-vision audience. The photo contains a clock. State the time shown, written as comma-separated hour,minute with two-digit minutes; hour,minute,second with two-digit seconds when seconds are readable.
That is 1,20,10
